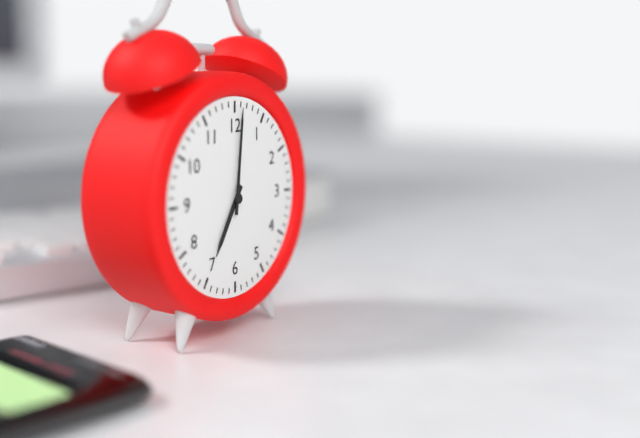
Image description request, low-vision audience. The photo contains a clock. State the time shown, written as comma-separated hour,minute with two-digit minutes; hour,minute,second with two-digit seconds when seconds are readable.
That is 7,01
